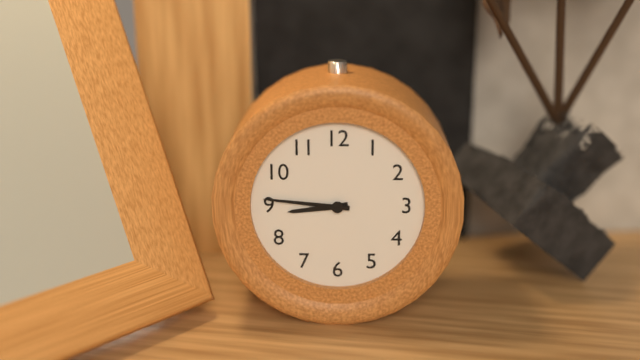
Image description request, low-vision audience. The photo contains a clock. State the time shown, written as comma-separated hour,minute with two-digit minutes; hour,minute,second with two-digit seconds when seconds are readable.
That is 8,46
